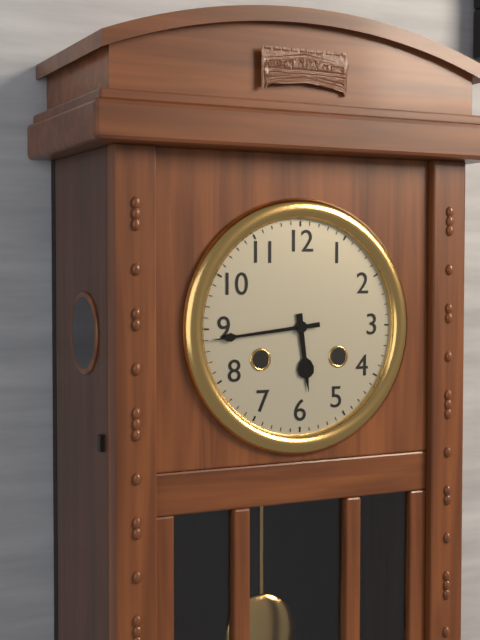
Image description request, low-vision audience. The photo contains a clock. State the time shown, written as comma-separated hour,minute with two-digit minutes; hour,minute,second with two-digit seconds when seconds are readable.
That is 5,44
